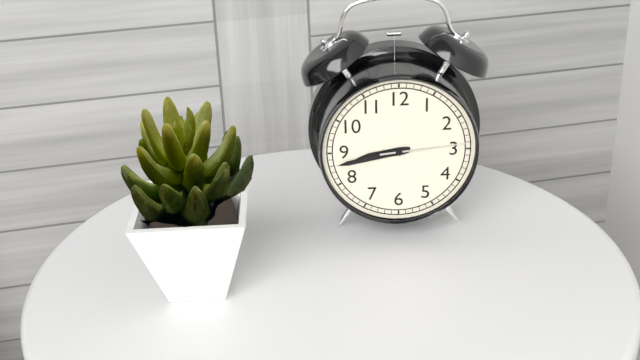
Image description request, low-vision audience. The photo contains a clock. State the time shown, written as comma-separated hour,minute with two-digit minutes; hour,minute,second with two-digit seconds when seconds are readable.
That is 8,43,14
